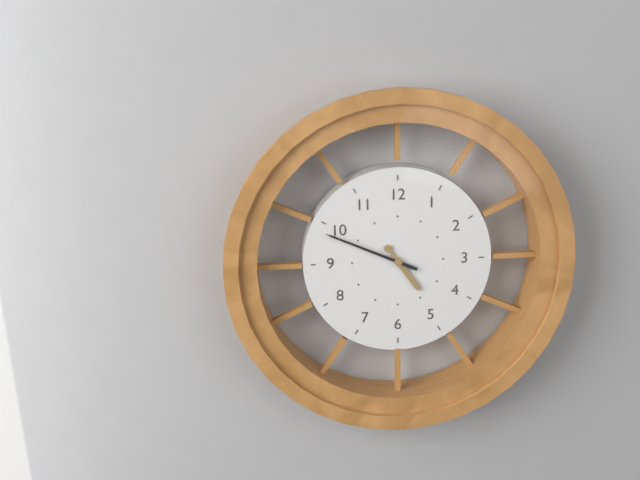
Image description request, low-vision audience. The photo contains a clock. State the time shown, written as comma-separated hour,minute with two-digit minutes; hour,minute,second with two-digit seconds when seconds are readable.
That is 4,49
